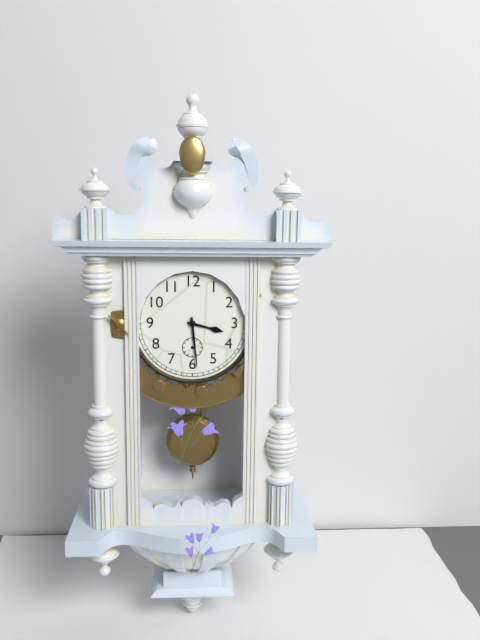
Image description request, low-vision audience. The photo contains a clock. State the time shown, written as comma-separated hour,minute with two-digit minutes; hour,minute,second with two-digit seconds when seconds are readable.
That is 3,29
